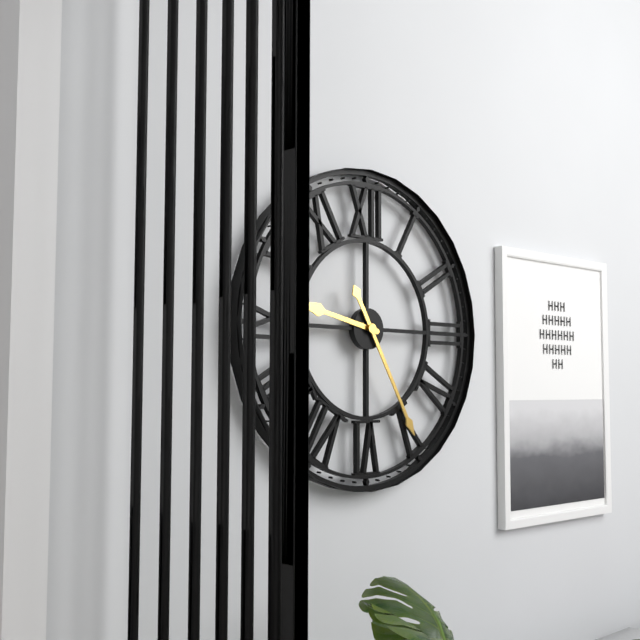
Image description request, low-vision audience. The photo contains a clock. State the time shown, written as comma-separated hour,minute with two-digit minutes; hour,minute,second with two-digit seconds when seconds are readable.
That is 9,25
